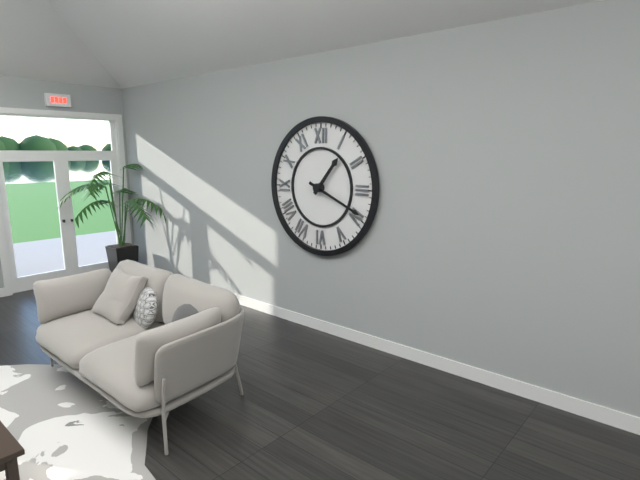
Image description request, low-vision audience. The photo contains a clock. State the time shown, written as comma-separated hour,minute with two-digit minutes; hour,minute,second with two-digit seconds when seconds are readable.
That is 1,19
